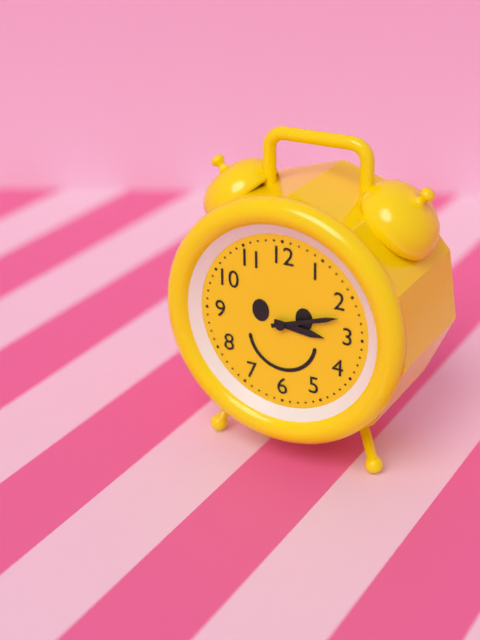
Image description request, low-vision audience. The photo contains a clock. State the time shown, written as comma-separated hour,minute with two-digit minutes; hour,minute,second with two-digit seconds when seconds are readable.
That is 3,12
